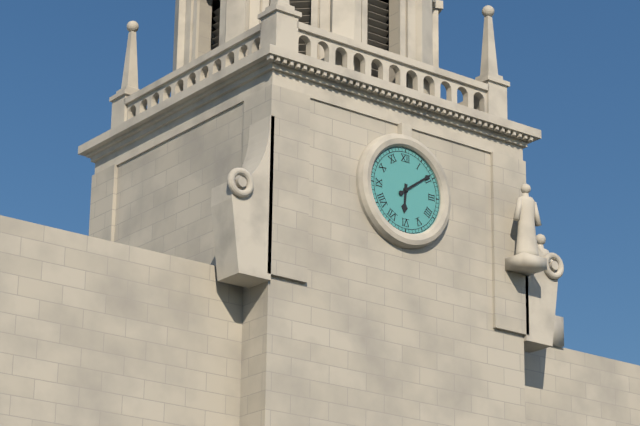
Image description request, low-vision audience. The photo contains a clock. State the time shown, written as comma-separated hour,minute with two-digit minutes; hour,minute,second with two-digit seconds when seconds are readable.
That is 6,09
